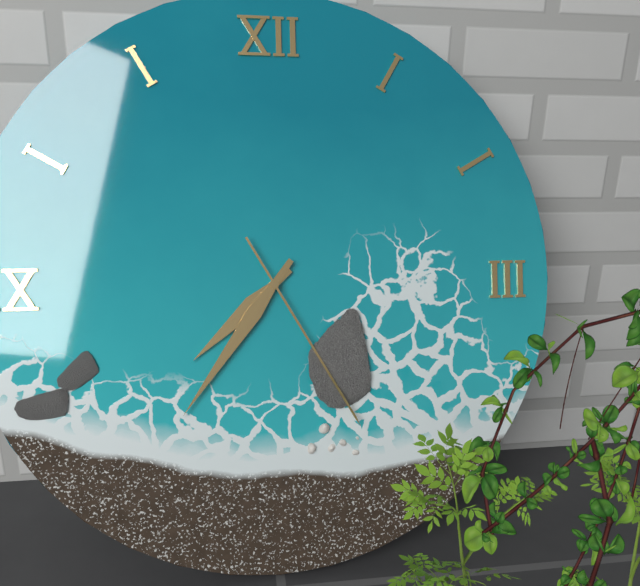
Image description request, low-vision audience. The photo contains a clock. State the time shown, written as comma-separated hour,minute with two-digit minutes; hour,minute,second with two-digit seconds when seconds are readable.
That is 7,36,25
